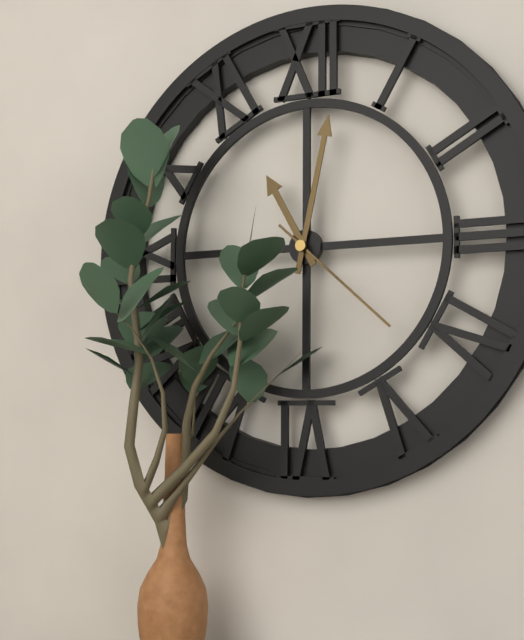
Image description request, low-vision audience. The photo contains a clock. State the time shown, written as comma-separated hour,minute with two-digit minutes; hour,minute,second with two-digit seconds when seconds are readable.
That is 11,02,22
